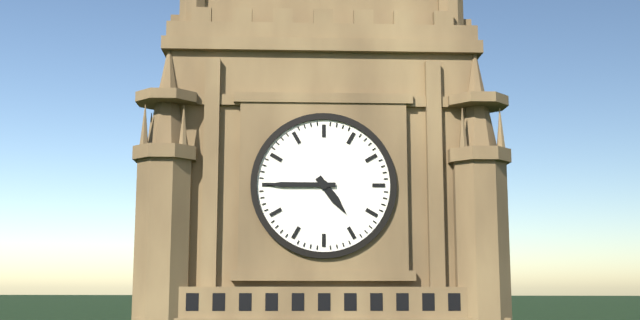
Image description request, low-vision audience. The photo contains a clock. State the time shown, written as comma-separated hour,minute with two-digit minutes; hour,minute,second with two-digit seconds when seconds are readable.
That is 4,45
